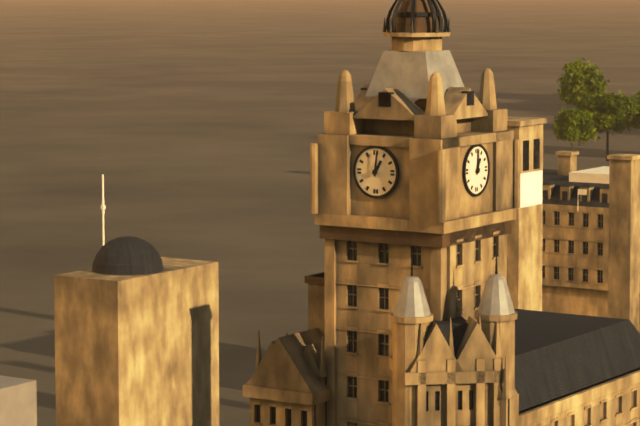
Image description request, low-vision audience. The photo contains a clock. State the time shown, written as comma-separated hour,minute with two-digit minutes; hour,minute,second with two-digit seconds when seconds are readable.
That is 1,01
